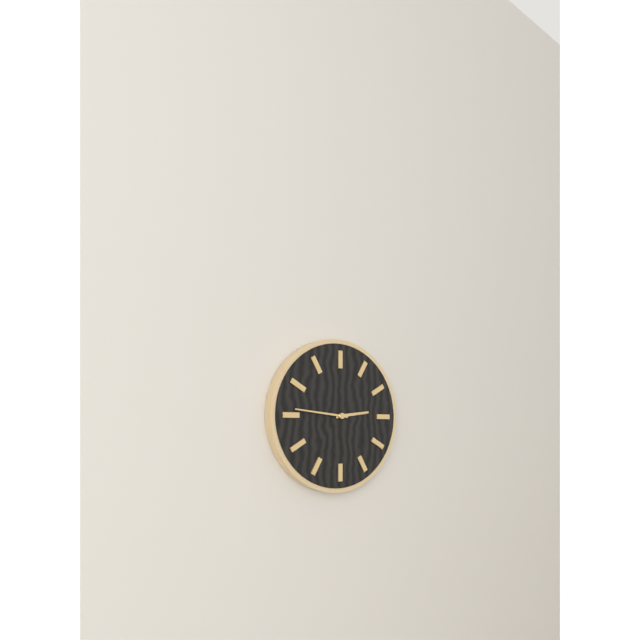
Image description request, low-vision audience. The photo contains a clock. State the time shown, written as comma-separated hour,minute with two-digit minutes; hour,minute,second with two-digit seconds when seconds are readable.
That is 2,46
